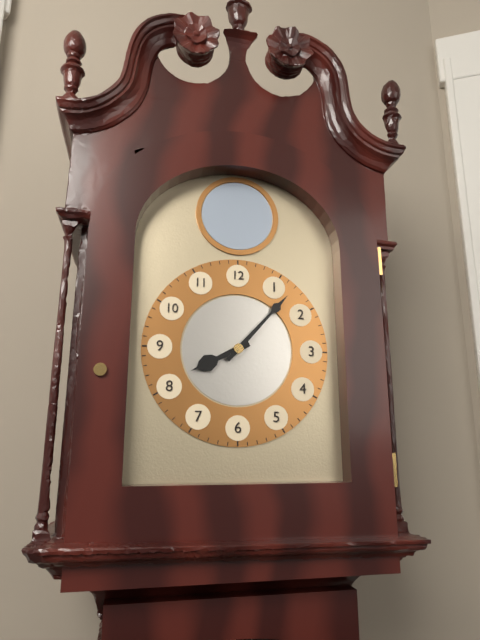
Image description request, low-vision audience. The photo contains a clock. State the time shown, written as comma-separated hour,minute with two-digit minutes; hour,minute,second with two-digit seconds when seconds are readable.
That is 8,07
